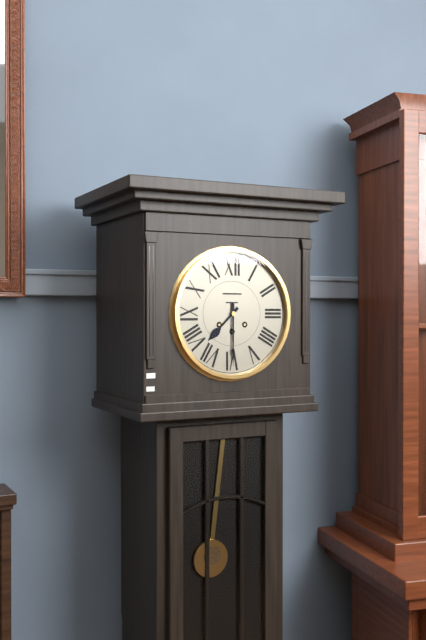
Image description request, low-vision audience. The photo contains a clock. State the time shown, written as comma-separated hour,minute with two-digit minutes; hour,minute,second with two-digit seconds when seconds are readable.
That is 7,30
